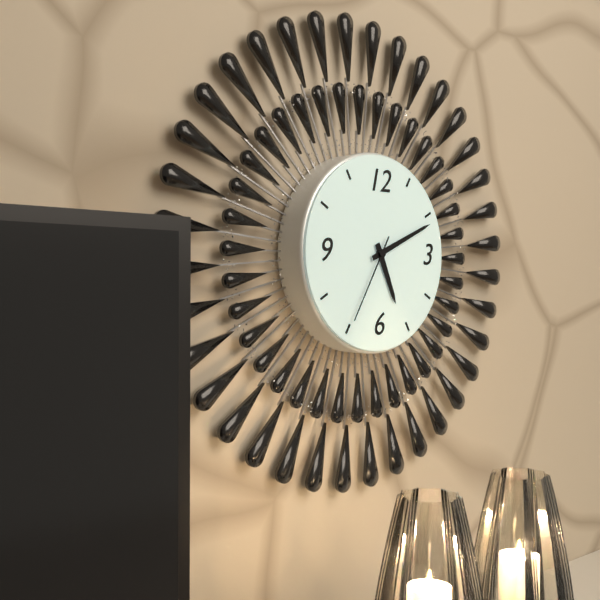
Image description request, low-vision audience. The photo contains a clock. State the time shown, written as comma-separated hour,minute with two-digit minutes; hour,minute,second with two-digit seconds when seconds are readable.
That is 5,11,35
